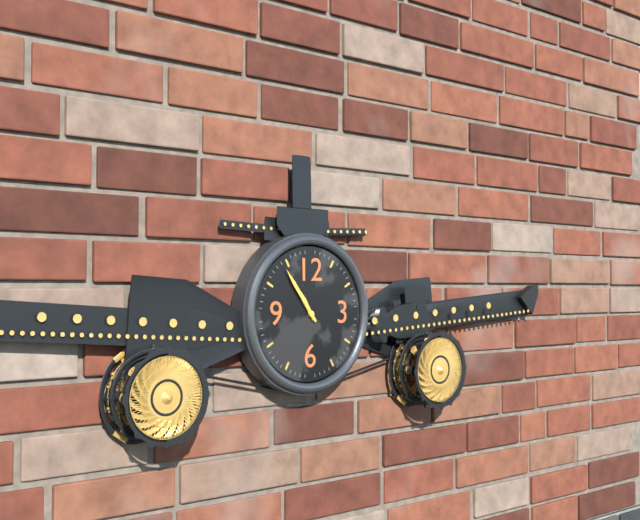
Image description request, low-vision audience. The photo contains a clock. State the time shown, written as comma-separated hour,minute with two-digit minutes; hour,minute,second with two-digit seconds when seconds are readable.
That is 10,54
